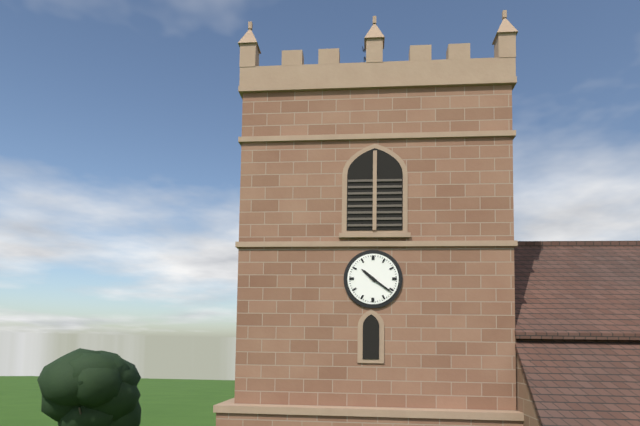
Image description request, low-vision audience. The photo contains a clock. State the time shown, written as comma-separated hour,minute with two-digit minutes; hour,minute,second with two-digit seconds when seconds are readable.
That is 10,21
